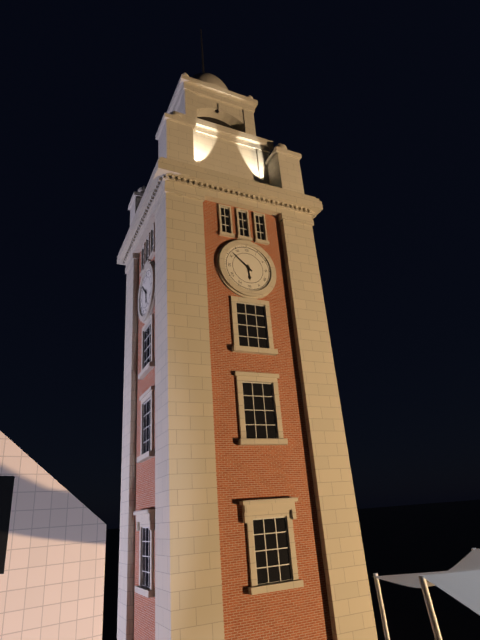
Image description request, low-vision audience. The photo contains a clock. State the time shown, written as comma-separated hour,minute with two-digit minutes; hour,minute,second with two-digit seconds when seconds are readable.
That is 5,52
